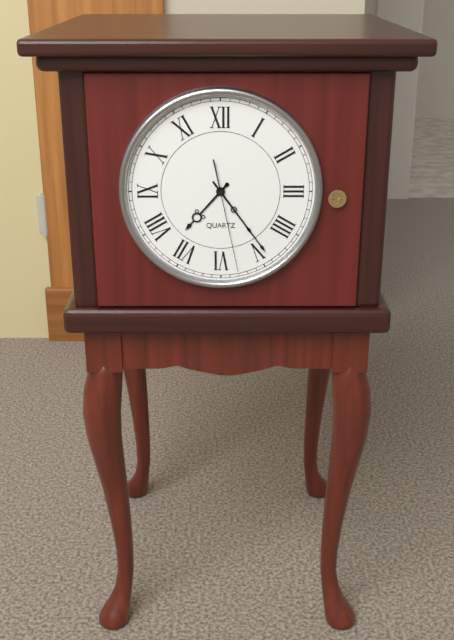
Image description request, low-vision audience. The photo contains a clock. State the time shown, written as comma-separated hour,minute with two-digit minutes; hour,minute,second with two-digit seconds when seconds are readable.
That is 7,24,28
